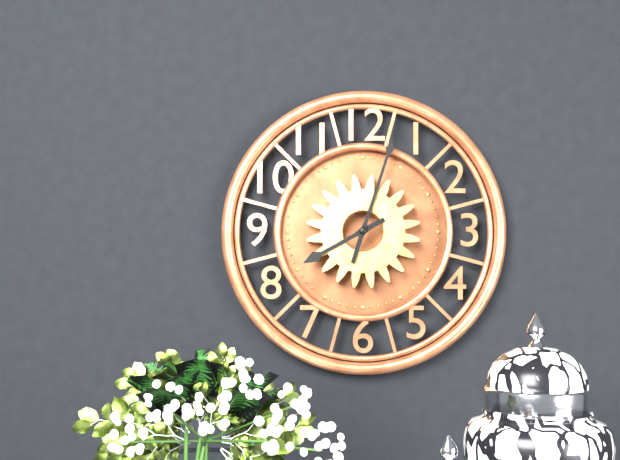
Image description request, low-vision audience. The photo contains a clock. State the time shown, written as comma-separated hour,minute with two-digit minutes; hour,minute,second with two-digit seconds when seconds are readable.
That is 8,03
